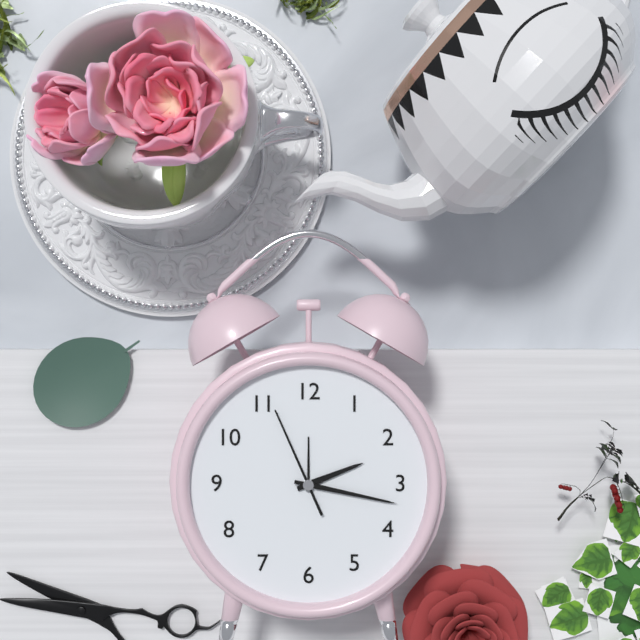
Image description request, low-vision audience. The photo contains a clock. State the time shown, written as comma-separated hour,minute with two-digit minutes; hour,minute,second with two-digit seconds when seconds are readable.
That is 2,17,56
